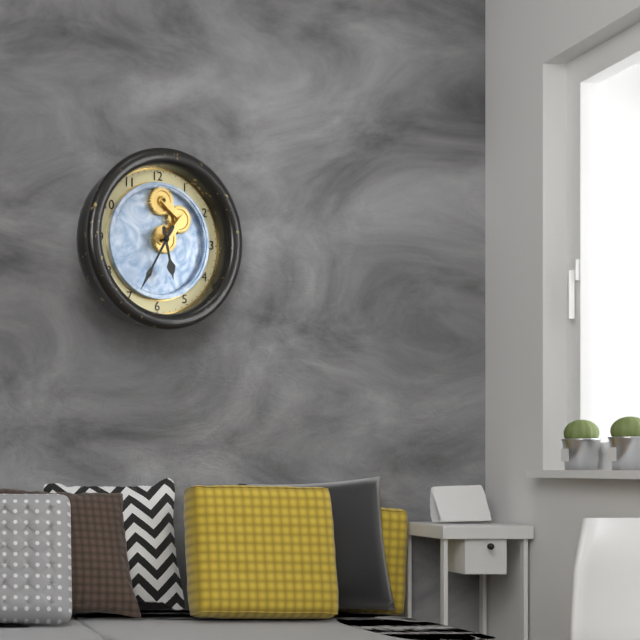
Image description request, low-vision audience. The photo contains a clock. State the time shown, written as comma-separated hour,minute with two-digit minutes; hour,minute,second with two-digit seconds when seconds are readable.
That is 5,35
